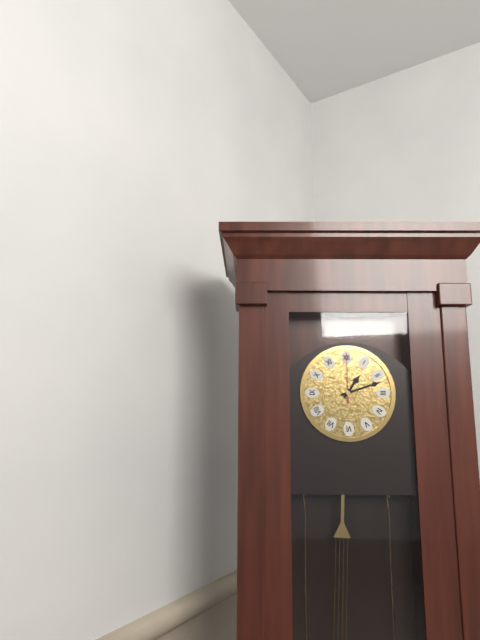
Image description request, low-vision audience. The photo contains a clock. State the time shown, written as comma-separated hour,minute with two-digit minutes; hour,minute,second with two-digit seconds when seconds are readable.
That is 1,12
